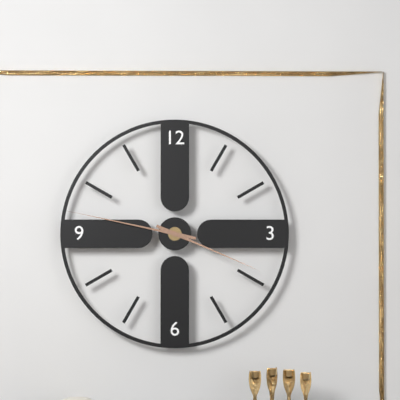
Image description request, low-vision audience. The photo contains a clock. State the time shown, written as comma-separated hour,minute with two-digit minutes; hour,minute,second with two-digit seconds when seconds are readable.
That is 3,47
